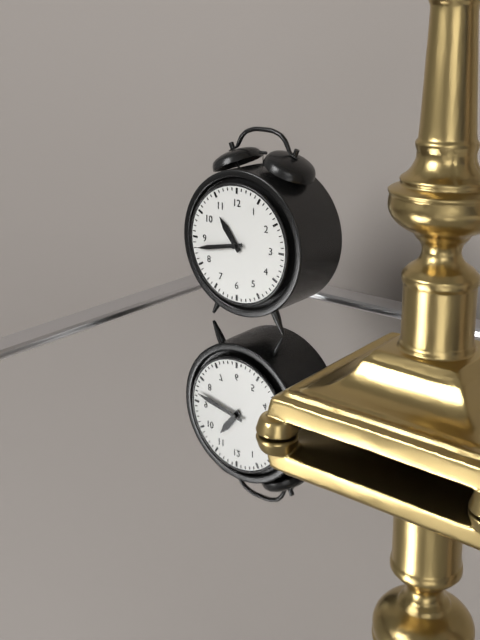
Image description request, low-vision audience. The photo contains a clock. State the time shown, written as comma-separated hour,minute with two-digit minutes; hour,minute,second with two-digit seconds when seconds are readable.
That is 10,43
